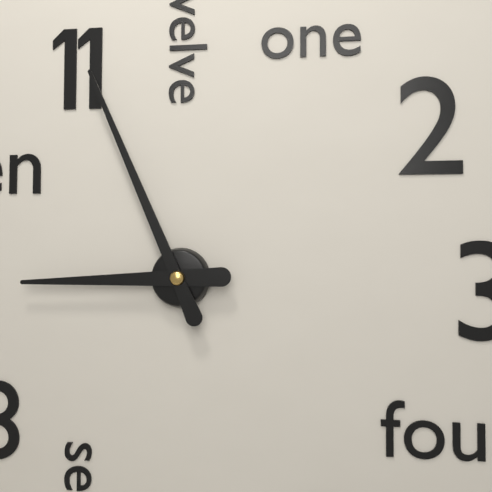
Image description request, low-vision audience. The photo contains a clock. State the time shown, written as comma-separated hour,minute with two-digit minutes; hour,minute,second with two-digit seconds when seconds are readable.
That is 8,56
